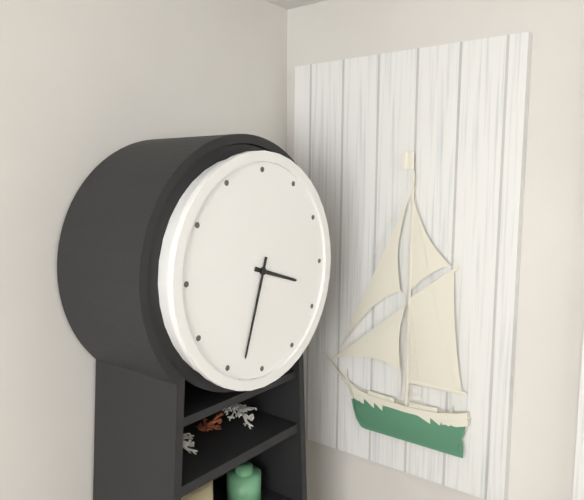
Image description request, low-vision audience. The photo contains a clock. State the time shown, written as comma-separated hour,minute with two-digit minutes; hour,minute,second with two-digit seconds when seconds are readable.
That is 3,33
